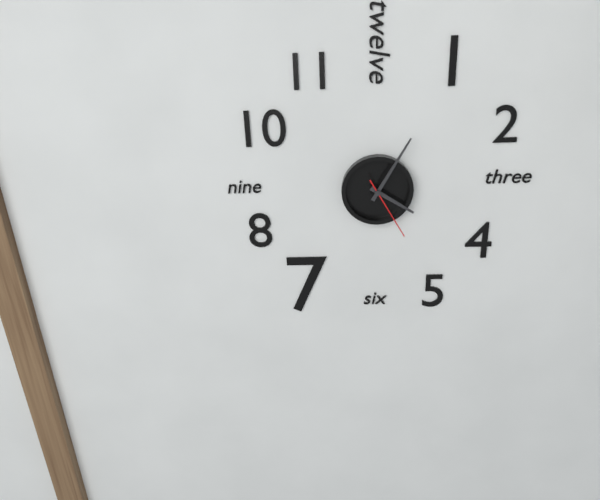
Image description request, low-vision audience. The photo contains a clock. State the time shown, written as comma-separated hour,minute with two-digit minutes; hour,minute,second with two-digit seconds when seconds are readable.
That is 4,05,25
